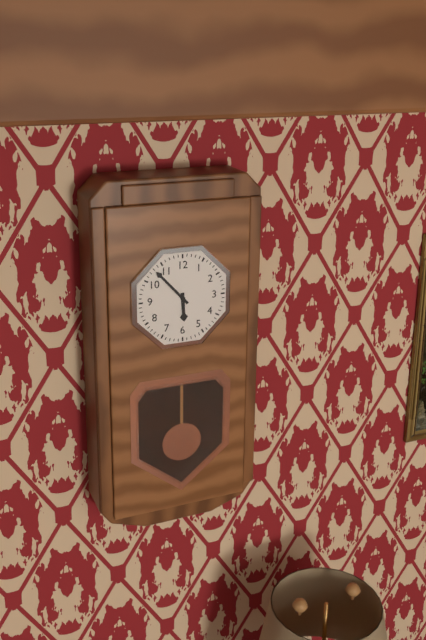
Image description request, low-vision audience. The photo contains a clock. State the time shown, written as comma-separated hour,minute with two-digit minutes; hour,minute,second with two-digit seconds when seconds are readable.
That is 5,53
